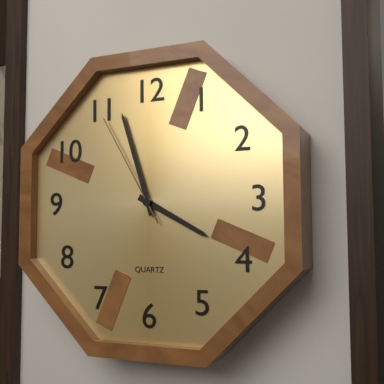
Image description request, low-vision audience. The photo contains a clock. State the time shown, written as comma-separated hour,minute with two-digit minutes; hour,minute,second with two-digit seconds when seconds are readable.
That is 3,57,55
